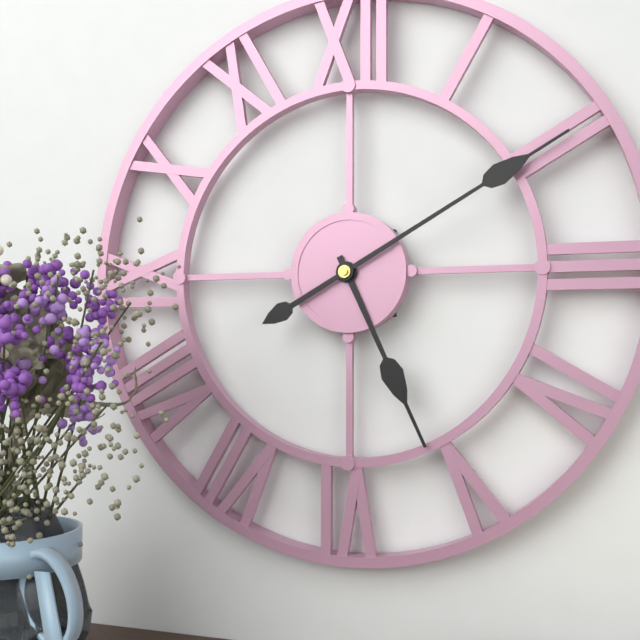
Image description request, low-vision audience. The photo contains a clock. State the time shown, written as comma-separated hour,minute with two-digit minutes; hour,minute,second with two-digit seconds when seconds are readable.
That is 5,10
